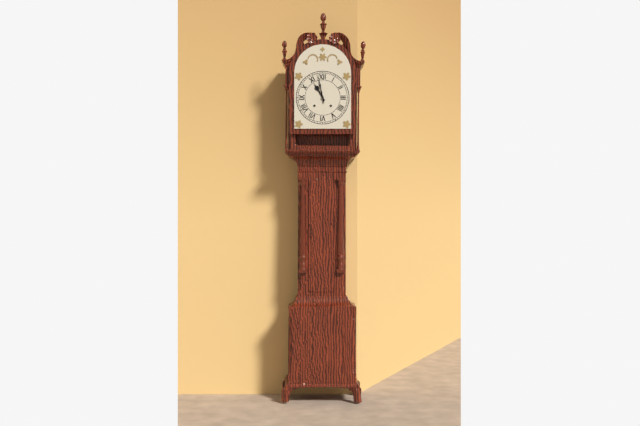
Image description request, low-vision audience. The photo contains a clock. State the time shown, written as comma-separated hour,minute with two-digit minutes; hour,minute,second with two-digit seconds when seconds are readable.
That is 10,58
